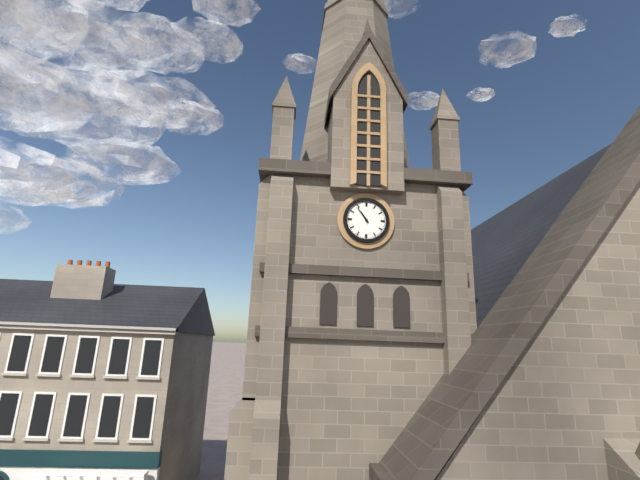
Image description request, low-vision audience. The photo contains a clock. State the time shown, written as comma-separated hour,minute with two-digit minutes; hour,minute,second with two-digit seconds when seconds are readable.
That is 10,54
